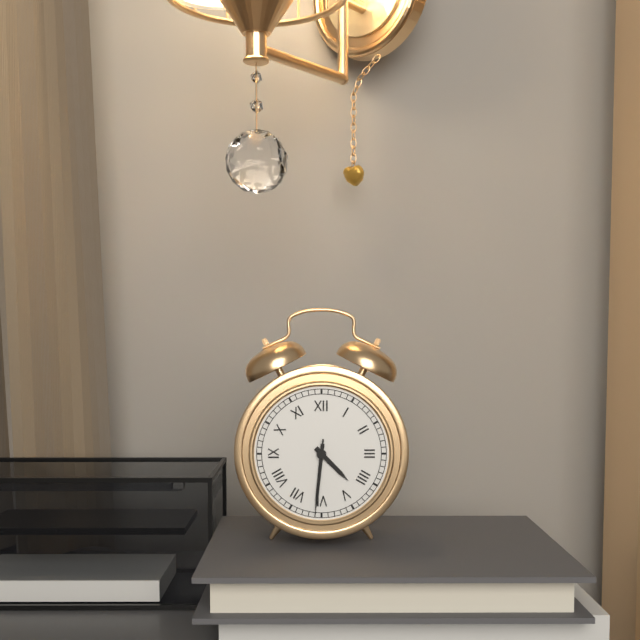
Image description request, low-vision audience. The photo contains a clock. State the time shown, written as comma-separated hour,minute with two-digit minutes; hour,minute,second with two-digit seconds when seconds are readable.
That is 4,31,31
